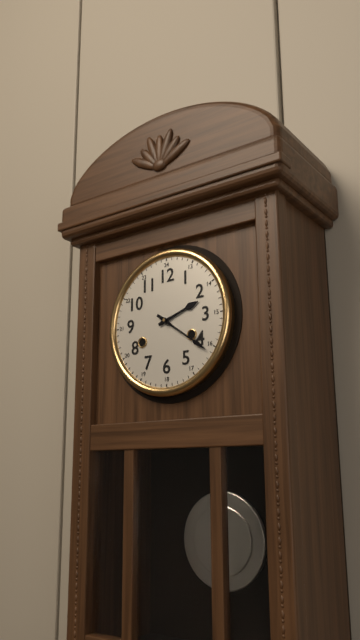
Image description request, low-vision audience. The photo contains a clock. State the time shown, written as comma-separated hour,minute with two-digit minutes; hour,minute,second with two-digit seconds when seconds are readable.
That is 2,21
